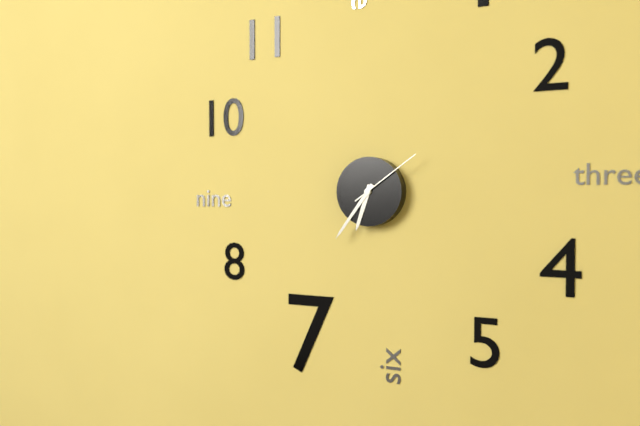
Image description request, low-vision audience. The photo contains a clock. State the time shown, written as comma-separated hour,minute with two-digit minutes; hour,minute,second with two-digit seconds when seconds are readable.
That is 6,36,09
